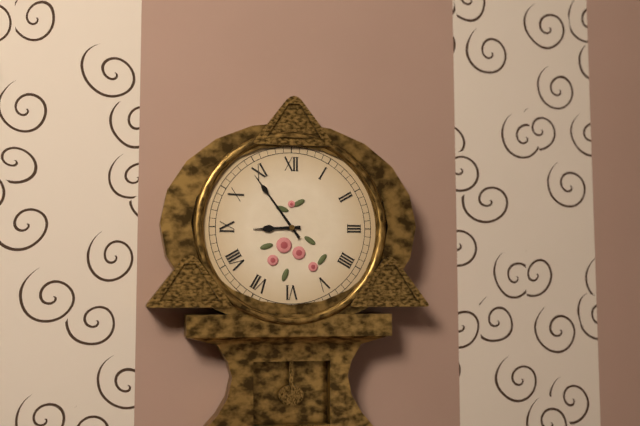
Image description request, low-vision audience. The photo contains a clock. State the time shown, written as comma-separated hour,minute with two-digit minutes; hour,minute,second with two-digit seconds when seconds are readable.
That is 8,54
